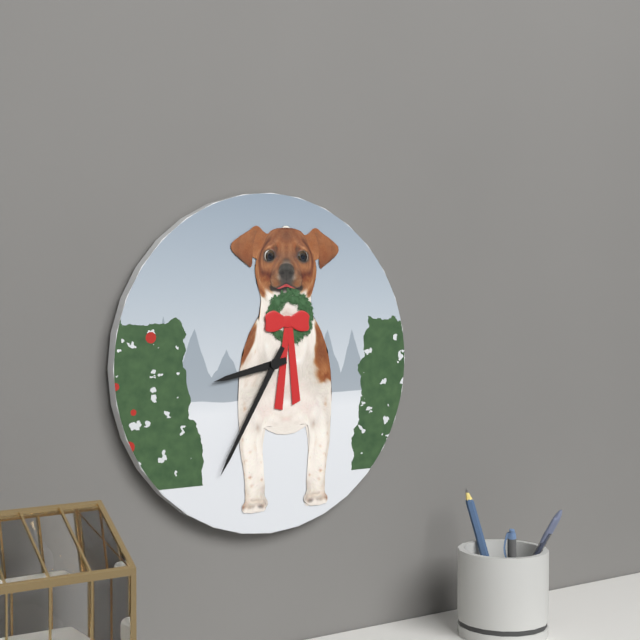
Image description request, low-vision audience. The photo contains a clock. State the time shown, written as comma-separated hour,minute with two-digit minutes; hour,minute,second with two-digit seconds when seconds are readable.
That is 8,35
